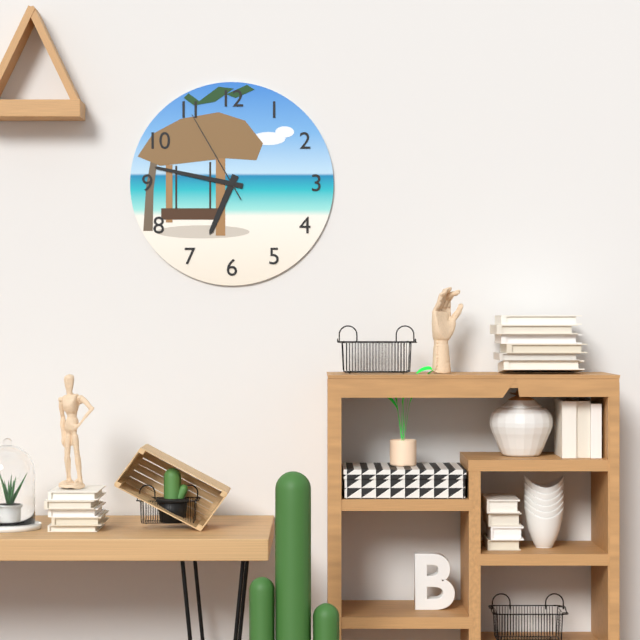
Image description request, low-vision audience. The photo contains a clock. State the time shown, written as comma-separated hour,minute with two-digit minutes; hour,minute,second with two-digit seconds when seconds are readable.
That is 6,47,55
